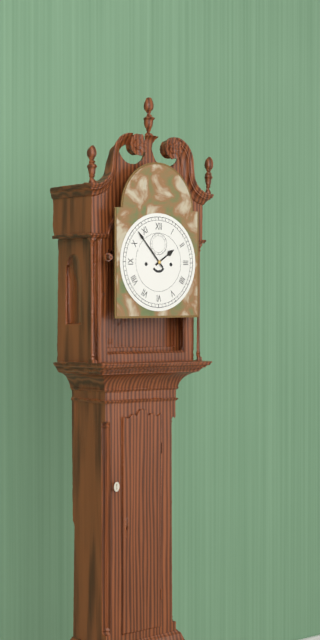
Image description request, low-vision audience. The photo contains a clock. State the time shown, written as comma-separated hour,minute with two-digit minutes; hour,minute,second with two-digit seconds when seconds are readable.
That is 1,53
